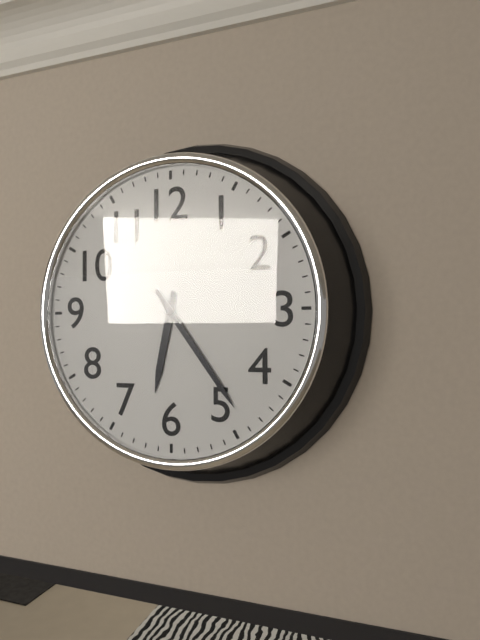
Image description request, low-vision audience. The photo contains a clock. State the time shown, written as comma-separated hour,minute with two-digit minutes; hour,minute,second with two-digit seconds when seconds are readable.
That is 6,24
